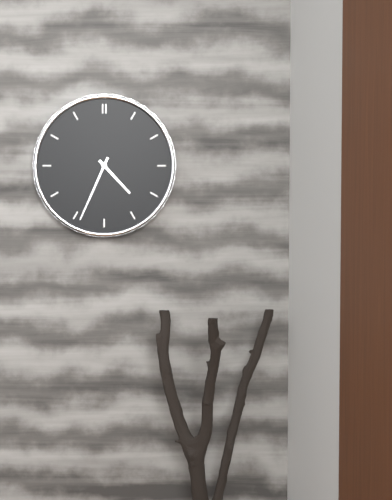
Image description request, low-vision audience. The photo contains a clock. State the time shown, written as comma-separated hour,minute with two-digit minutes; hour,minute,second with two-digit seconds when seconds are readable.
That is 4,34
